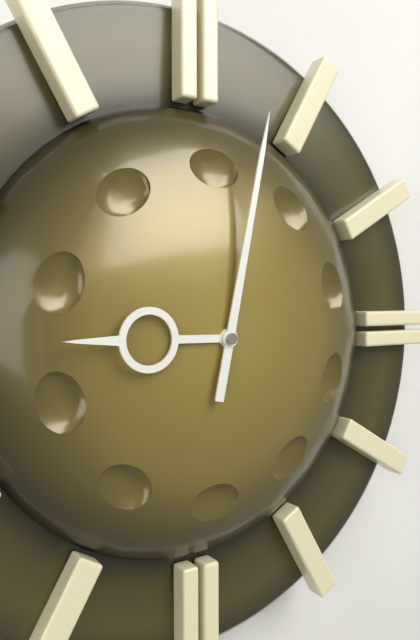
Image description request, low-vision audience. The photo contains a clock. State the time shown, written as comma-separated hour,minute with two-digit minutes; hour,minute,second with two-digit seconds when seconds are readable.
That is 9,02
